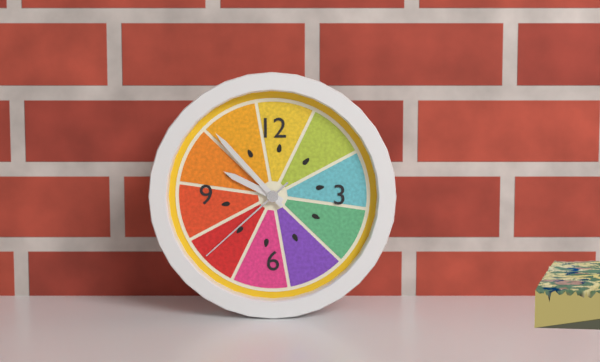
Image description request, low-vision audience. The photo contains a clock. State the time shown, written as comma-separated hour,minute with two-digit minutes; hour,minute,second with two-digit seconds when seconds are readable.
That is 9,53,38
